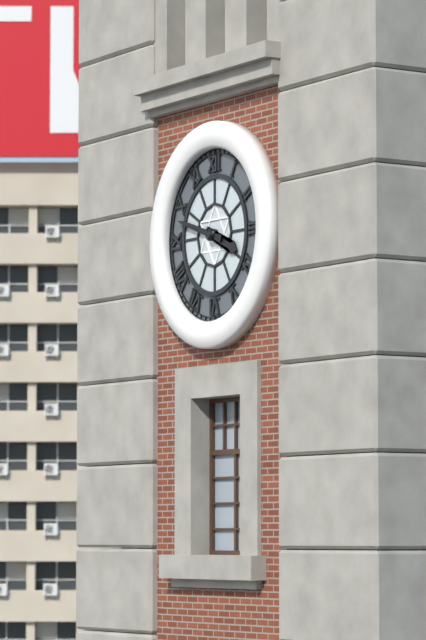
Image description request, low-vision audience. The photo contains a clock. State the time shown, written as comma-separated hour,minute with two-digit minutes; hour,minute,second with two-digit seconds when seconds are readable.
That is 3,48
